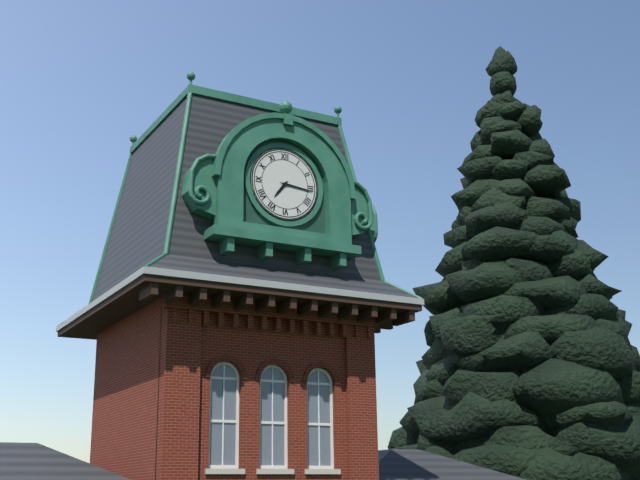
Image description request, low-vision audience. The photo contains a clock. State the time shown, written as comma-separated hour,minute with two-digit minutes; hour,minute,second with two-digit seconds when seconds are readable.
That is 7,16
